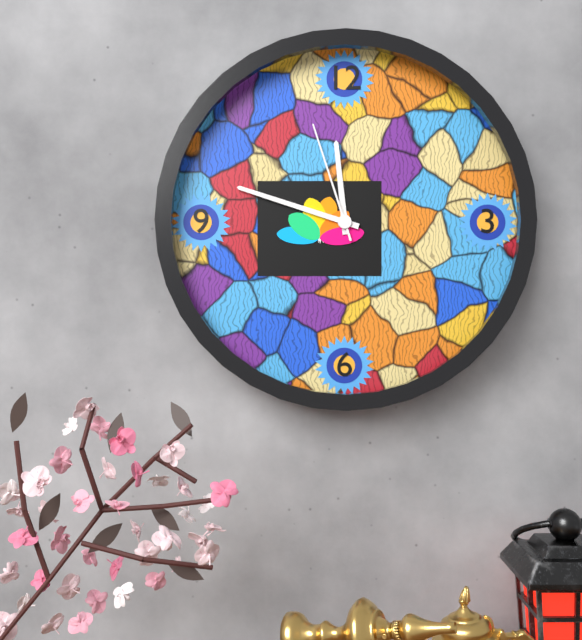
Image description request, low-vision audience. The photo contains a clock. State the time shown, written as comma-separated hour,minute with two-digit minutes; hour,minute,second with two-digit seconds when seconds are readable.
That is 11,48,57
